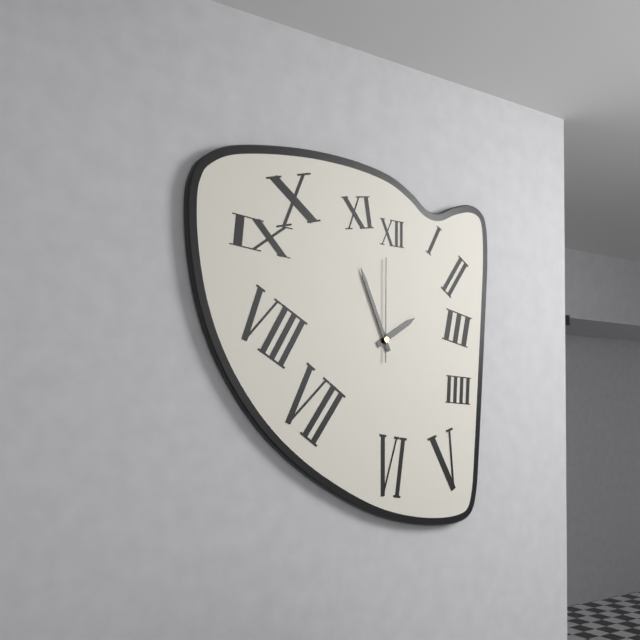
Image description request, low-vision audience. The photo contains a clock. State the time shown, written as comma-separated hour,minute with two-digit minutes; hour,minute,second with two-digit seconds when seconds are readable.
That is 1,56,00
